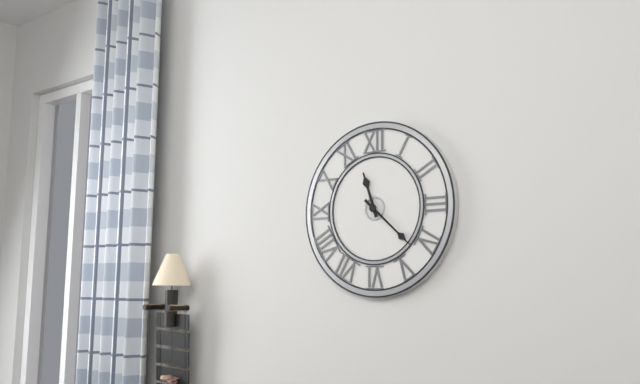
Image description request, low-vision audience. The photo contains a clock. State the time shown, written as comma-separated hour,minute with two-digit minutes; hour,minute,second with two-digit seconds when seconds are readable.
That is 11,22
